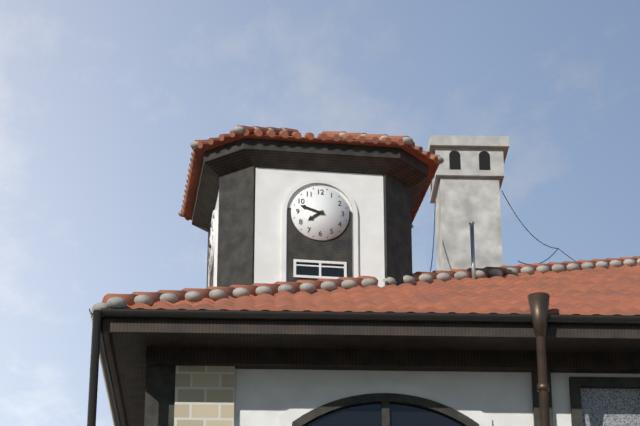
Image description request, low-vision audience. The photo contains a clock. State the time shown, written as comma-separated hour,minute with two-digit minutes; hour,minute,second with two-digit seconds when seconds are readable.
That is 7,48
